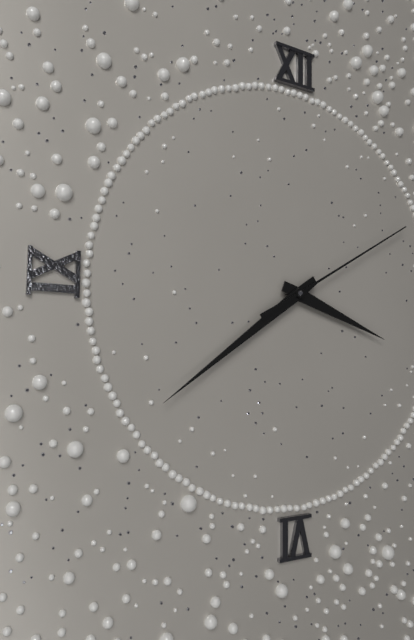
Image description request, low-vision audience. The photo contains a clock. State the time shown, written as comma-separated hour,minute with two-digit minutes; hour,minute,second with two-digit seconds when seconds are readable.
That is 3,39,10
